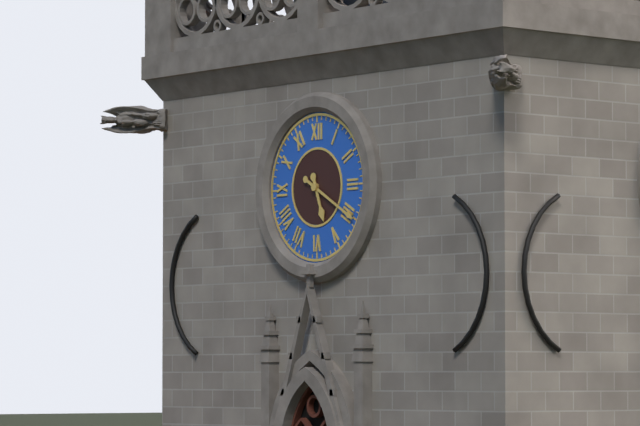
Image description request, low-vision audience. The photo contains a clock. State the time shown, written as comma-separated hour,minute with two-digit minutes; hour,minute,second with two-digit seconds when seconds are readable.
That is 5,20
